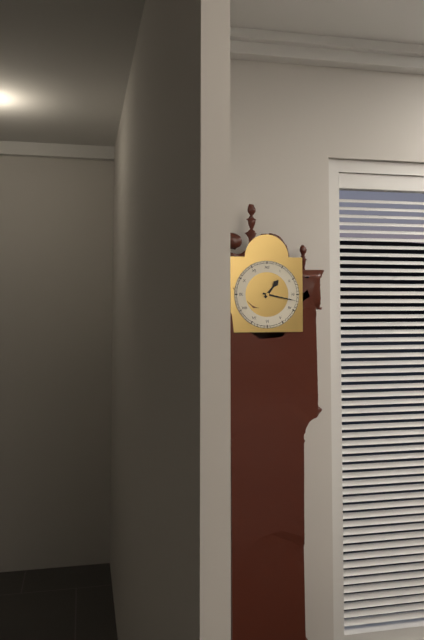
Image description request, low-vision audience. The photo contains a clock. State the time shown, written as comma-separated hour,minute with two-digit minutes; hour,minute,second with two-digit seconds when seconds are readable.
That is 1,17
